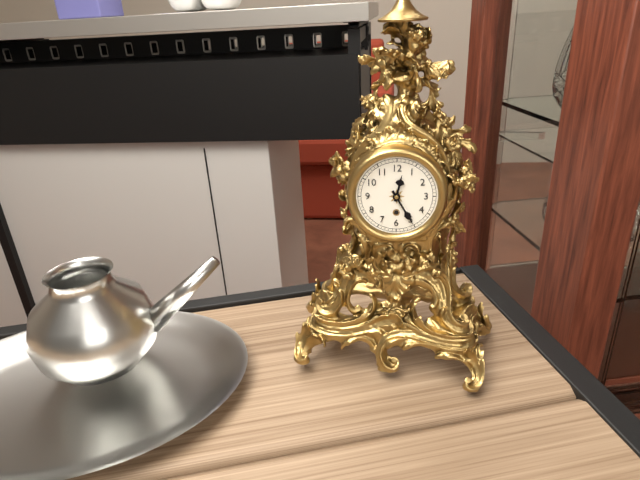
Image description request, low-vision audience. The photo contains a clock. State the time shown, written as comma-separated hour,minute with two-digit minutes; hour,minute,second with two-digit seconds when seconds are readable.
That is 12,25
